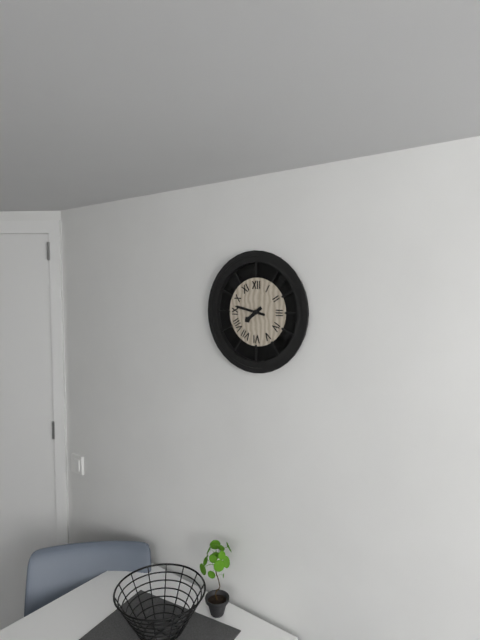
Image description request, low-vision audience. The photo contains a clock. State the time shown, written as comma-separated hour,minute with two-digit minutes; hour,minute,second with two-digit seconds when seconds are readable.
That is 7,47
